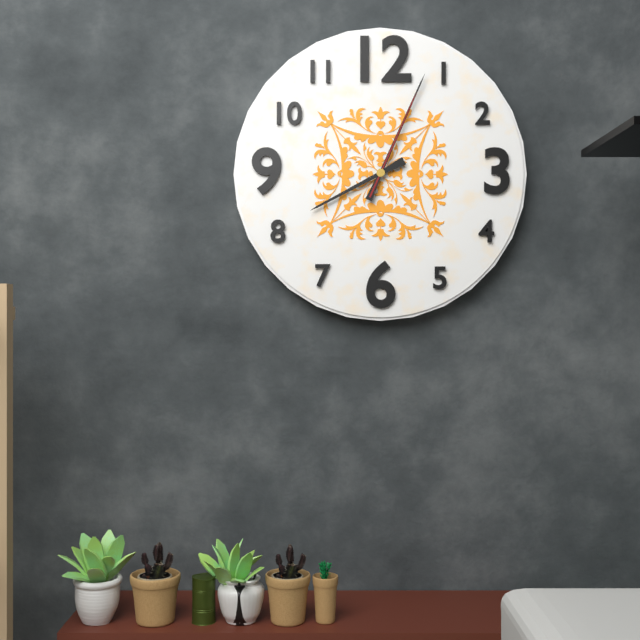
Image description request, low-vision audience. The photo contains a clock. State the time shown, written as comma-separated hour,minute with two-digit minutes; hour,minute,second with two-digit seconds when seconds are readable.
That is 8,04,04
